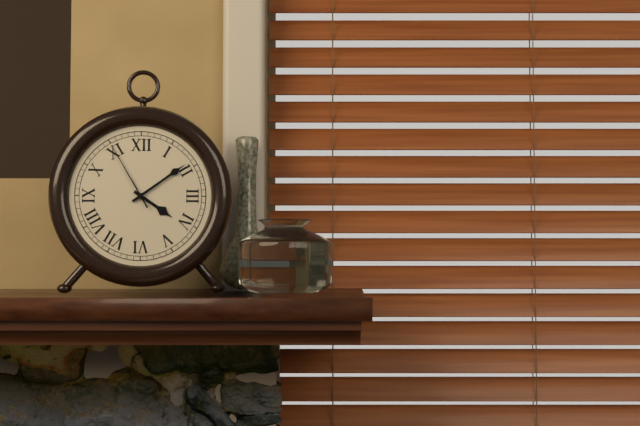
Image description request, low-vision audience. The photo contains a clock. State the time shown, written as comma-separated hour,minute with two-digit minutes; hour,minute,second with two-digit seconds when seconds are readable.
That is 4,09,55
